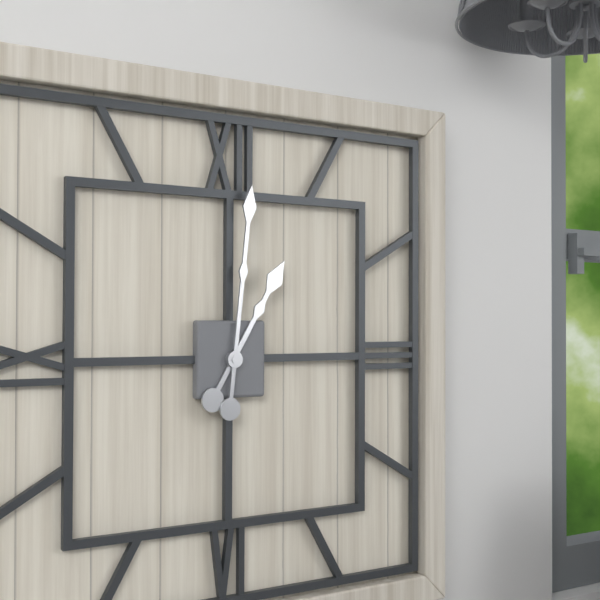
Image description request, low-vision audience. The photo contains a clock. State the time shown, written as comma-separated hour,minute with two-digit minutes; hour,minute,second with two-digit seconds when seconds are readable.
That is 1,01
